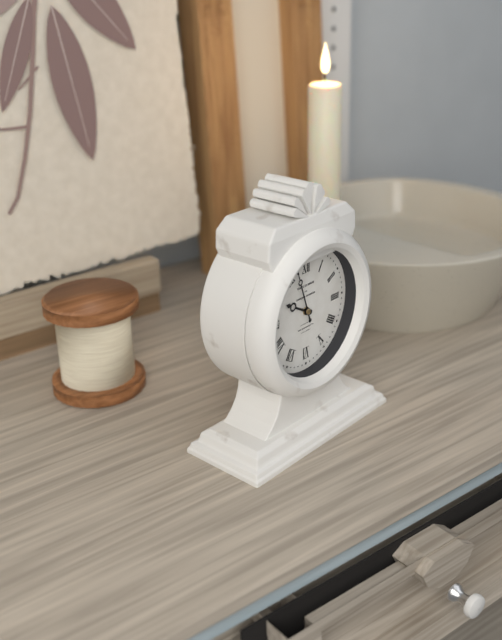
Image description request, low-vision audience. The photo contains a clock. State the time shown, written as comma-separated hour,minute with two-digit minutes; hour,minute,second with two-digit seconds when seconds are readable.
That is 9,57
